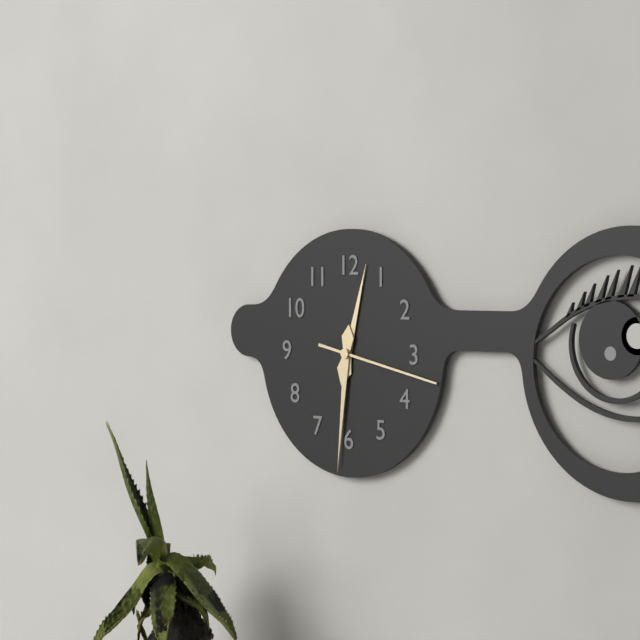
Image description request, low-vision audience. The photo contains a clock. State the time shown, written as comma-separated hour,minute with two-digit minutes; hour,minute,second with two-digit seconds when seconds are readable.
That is 12,31,17
